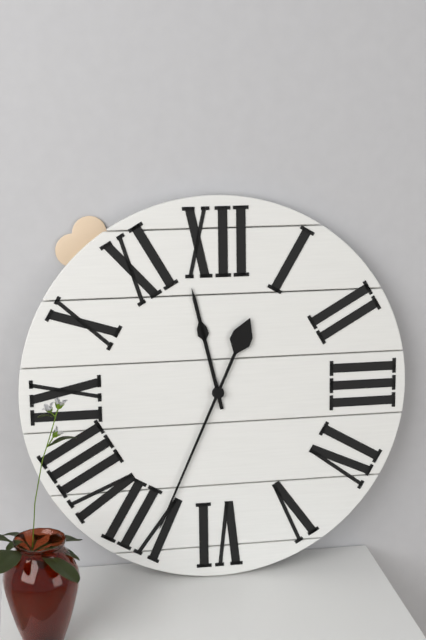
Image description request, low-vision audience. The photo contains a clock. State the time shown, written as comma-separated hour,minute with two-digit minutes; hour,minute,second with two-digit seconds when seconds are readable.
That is 11,34
